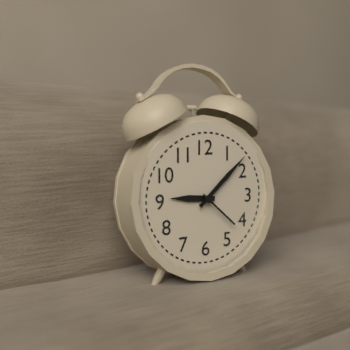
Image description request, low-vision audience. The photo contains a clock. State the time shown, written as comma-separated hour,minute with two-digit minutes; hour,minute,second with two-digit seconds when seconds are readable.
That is 9,08
